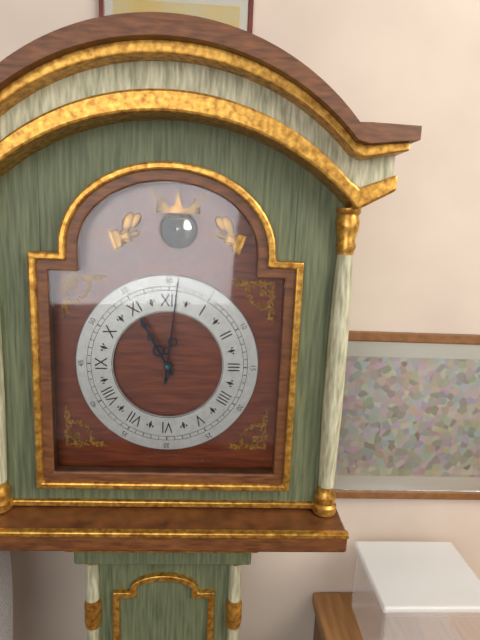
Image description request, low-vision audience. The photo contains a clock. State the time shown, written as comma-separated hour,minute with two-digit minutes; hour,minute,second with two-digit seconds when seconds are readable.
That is 11,01
